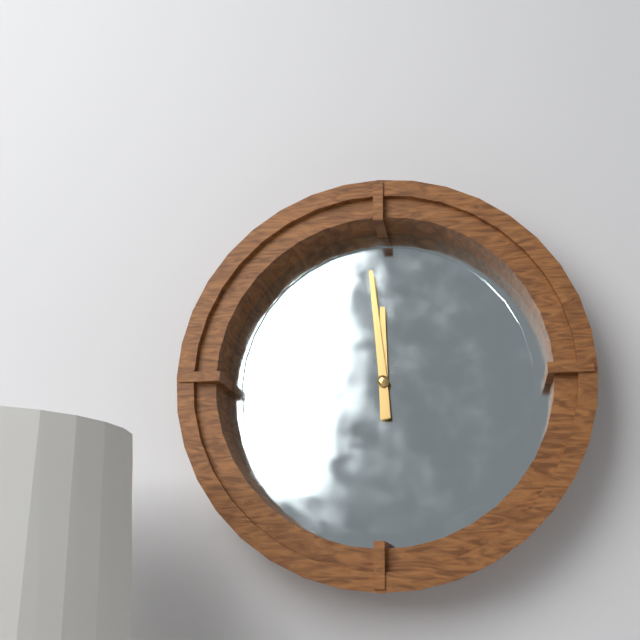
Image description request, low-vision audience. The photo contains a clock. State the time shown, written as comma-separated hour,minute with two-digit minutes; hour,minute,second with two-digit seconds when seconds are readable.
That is 11,59
